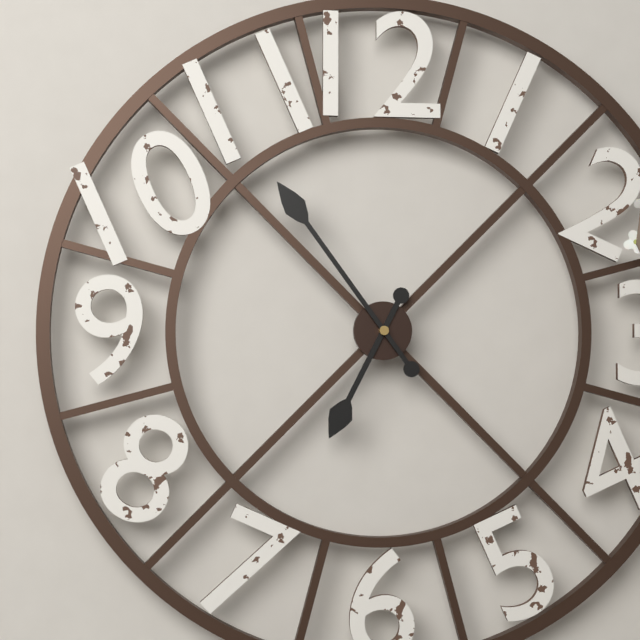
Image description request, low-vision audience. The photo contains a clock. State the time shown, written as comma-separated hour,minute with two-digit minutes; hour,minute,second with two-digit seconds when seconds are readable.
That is 6,54
